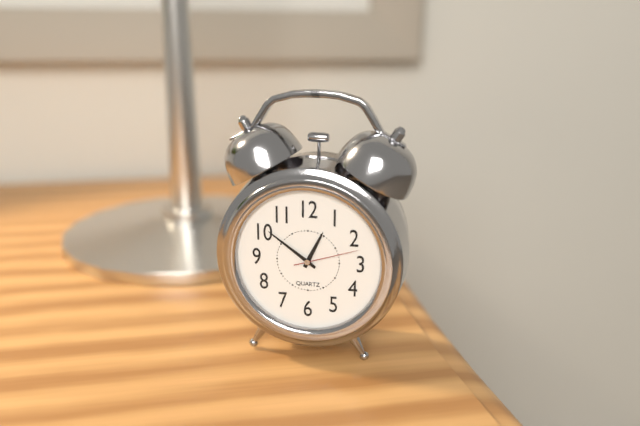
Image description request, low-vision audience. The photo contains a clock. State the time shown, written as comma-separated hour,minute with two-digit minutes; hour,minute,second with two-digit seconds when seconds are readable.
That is 12,51,12
